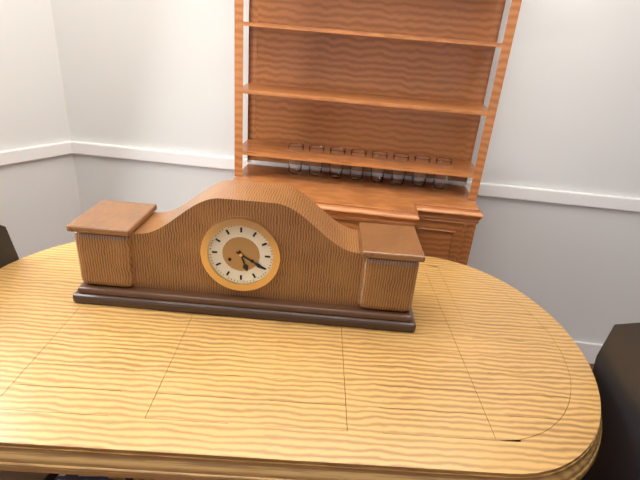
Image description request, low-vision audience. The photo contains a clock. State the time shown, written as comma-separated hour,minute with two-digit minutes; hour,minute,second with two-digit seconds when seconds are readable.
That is 5,20
